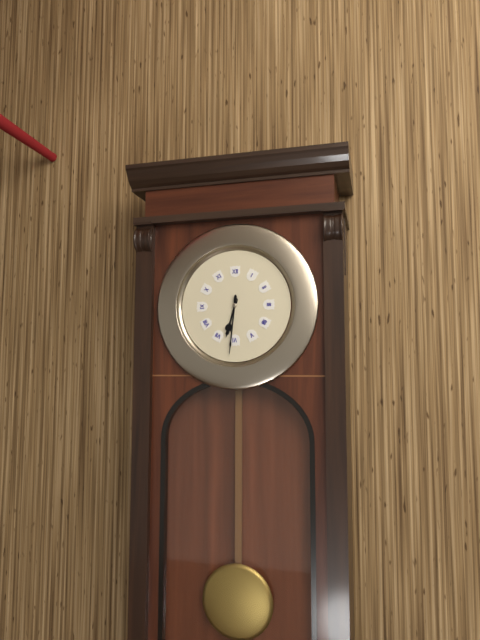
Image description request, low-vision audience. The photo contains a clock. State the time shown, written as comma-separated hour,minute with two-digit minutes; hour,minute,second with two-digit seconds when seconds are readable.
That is 6,31
